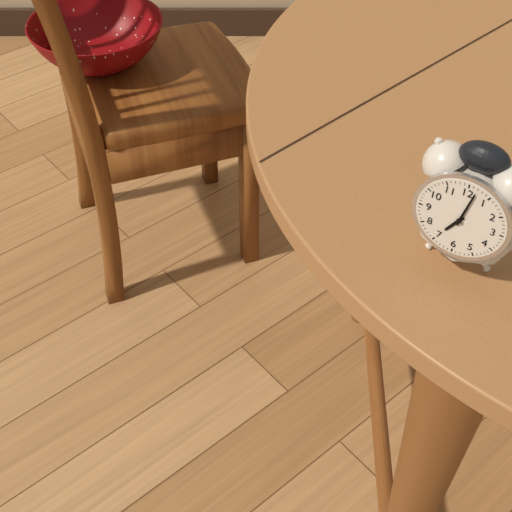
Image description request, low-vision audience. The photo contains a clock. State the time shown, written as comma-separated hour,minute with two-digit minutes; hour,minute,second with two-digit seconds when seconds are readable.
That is 7,02
